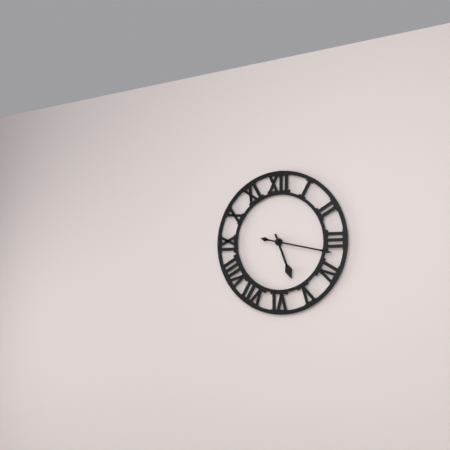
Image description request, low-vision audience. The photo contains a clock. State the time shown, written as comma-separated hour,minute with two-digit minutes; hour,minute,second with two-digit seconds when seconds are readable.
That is 5,17
